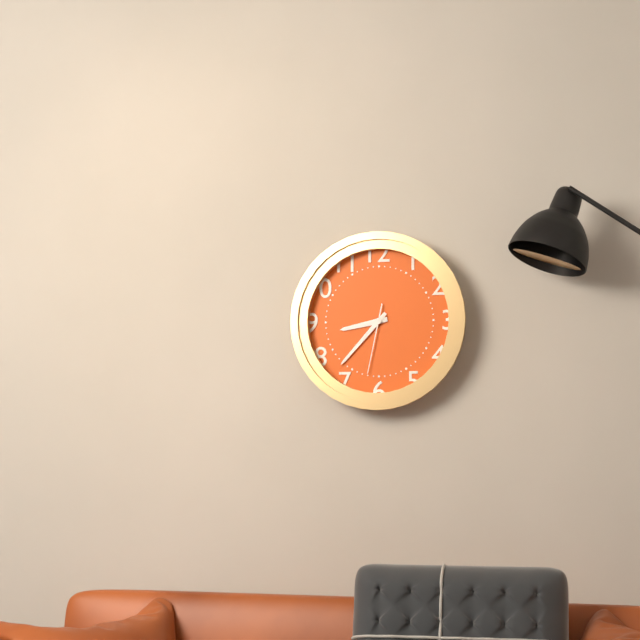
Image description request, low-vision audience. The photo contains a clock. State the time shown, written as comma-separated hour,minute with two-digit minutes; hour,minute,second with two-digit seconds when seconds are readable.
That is 8,37,32
